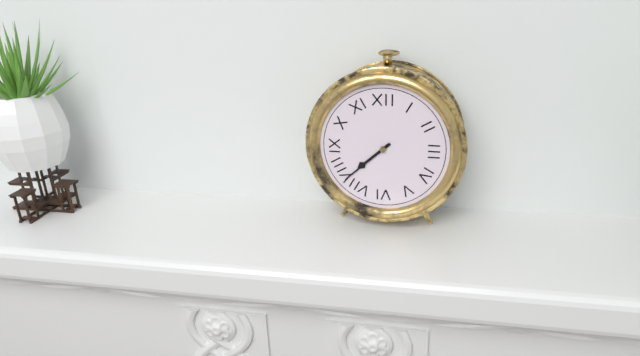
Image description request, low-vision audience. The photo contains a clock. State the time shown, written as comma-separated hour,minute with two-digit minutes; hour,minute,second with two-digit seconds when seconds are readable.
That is 7,38
